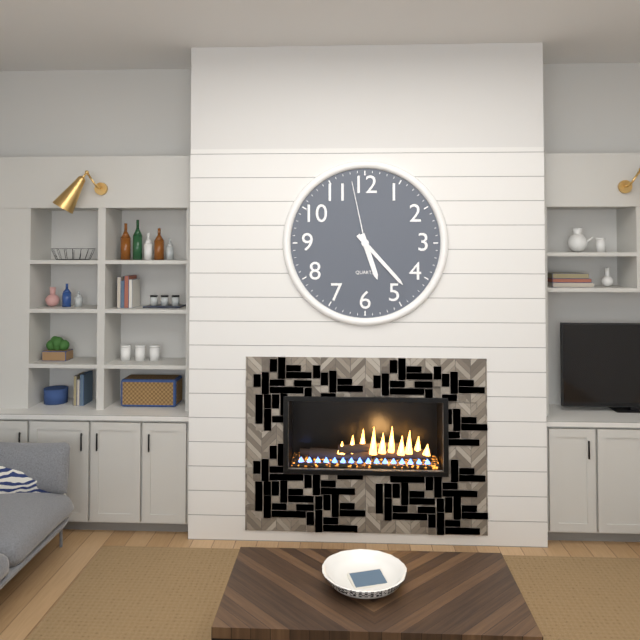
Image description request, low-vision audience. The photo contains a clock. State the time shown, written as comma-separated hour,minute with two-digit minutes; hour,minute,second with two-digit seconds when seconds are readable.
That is 5,23,58
